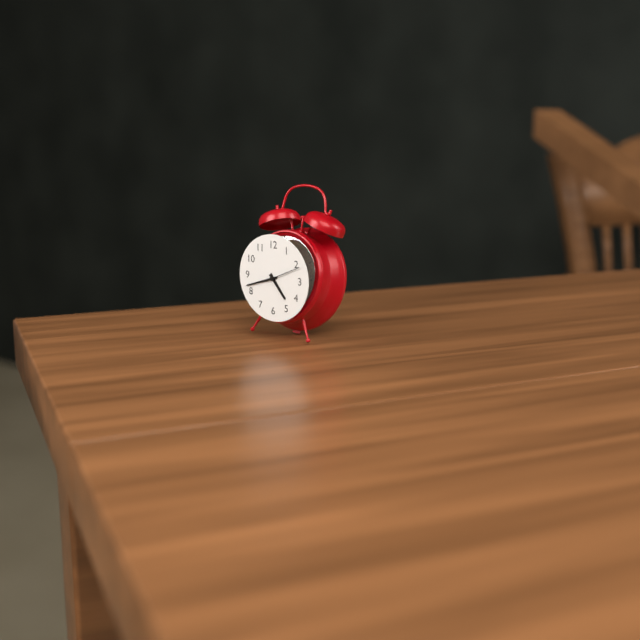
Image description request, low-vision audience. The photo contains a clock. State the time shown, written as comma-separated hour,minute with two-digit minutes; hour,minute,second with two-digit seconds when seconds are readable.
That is 4,42
